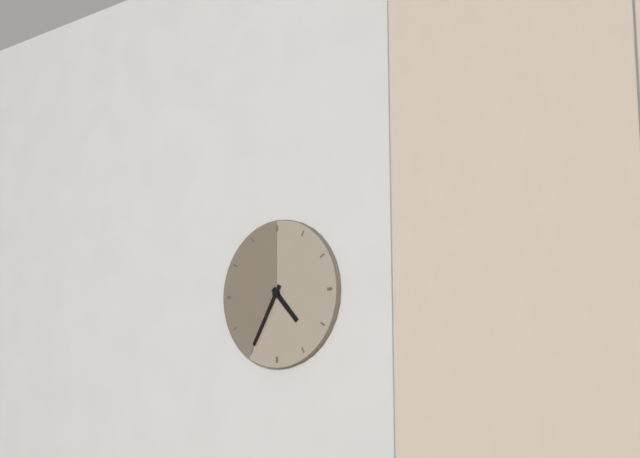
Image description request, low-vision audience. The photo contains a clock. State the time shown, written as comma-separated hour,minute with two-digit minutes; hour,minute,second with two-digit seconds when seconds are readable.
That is 4,35
